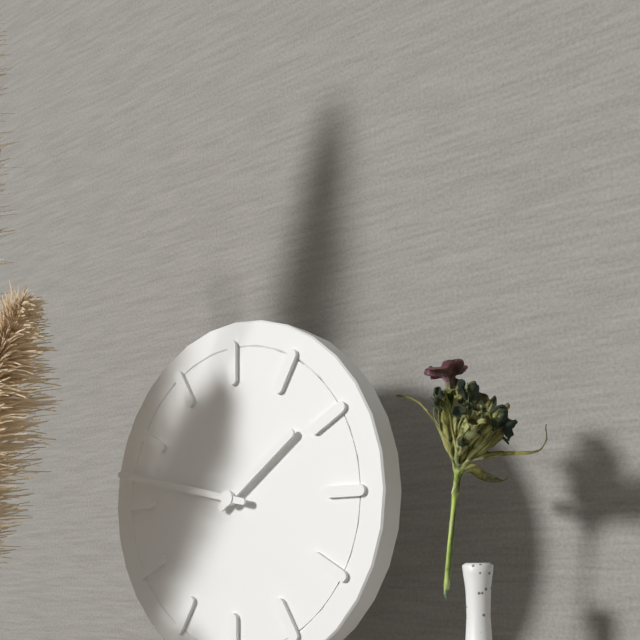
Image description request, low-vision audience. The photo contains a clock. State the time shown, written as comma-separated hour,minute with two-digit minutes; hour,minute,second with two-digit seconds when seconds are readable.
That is 1,47
